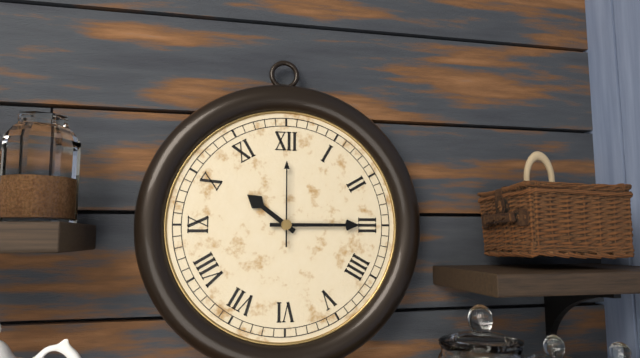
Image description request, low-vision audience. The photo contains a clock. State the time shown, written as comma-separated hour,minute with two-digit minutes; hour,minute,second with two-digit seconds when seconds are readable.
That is 10,15,00
